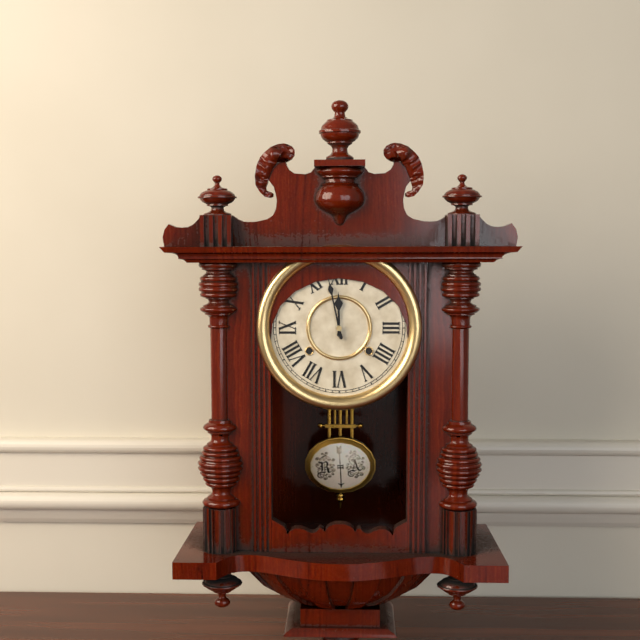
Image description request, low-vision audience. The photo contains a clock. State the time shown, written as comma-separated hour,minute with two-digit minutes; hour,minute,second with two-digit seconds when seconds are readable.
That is 11,58
